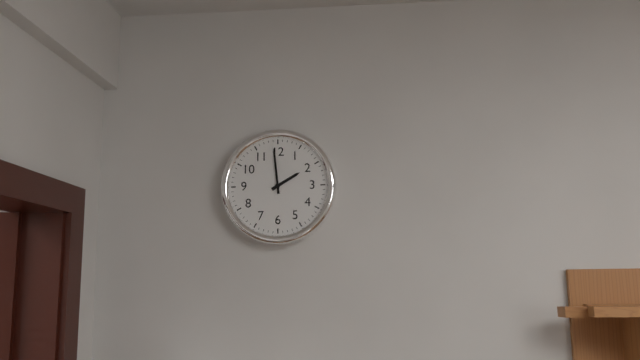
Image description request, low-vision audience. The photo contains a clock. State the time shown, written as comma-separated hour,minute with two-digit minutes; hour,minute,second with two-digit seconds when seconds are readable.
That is 1,59
